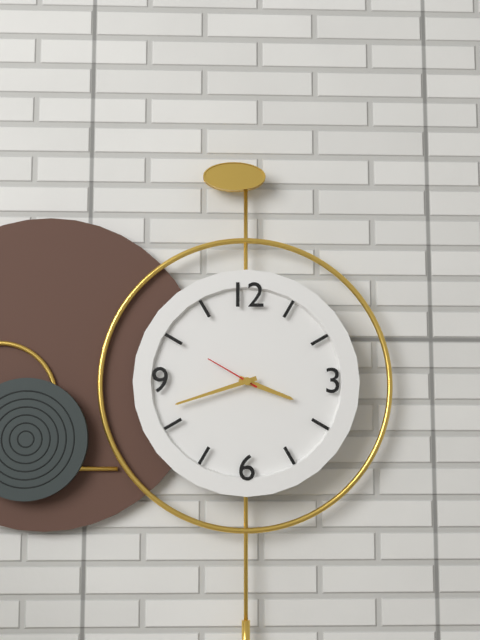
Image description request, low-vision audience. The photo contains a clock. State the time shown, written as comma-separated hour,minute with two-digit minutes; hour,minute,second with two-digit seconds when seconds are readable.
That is 3,42,50
